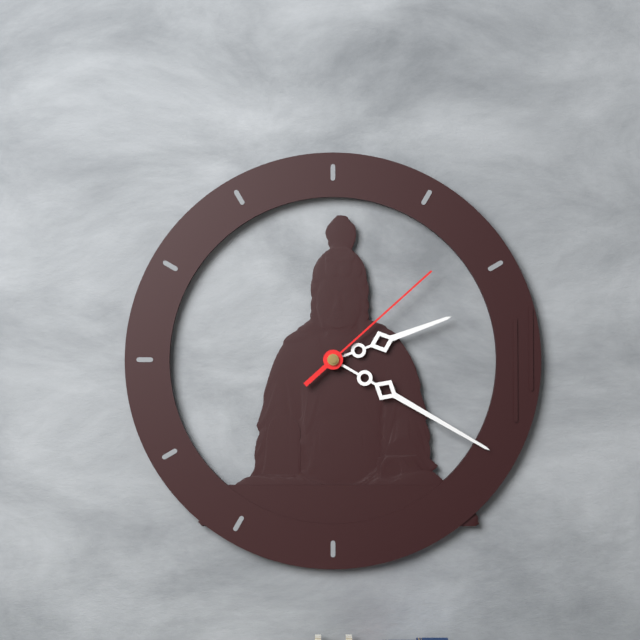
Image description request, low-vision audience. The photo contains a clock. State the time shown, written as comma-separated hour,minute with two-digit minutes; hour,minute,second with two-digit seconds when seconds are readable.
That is 2,20,08
